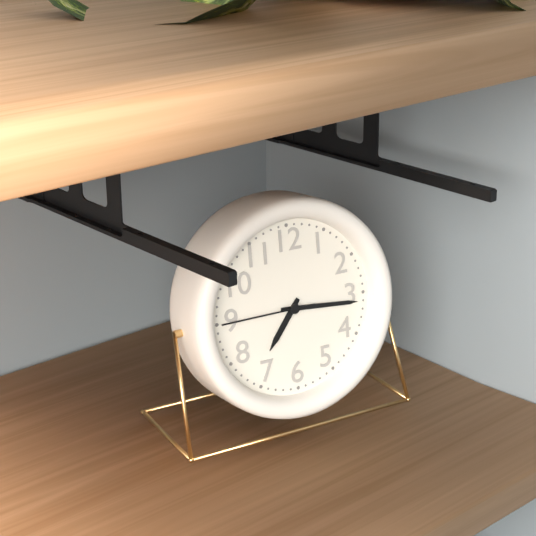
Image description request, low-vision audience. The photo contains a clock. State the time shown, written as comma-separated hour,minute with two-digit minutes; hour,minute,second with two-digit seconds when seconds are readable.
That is 7,16,45
